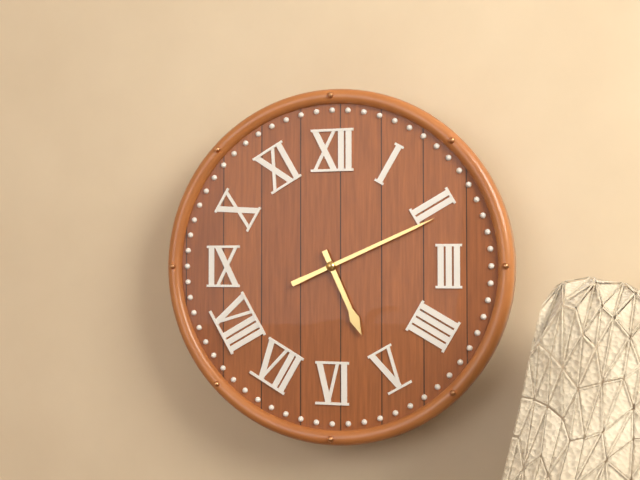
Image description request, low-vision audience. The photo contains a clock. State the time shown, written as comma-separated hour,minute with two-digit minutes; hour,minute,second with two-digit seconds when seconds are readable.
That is 5,11
